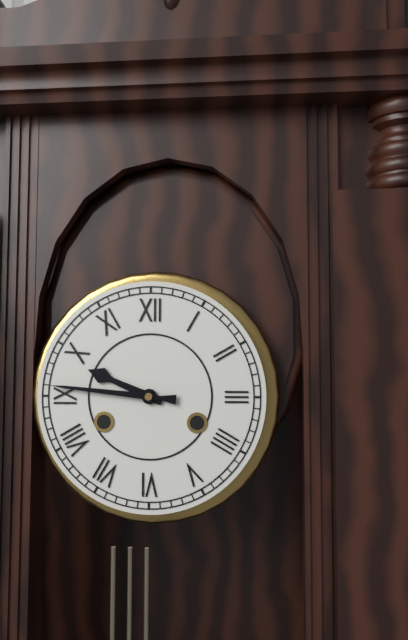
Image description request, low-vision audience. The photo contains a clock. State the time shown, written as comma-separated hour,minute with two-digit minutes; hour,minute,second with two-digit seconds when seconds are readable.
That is 9,46
